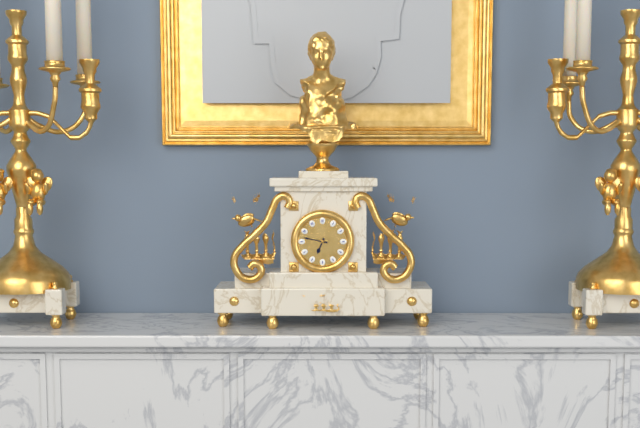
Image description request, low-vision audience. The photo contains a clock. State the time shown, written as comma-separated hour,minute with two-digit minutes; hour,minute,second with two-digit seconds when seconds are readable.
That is 6,47
